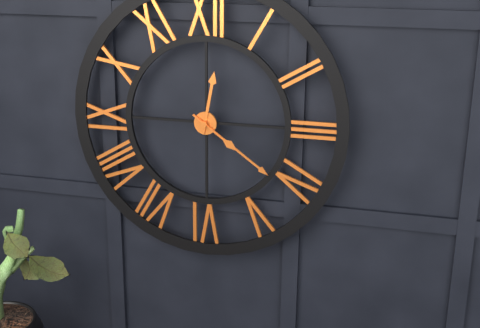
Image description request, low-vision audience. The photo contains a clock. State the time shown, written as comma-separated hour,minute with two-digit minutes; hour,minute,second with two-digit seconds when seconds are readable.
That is 12,21,21
